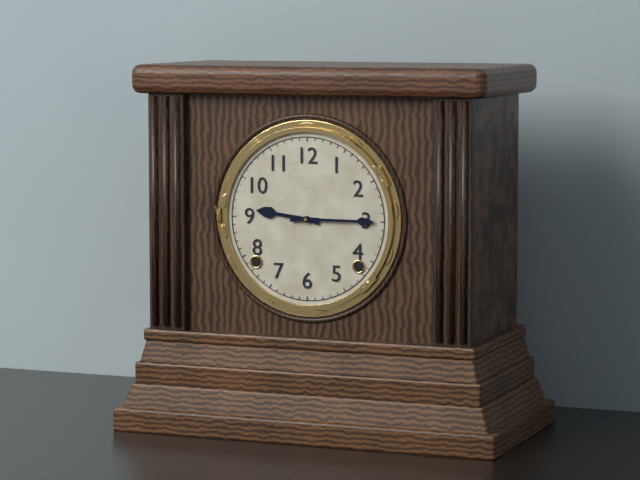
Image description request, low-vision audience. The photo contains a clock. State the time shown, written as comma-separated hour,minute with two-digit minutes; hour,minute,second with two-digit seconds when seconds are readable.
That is 9,15
